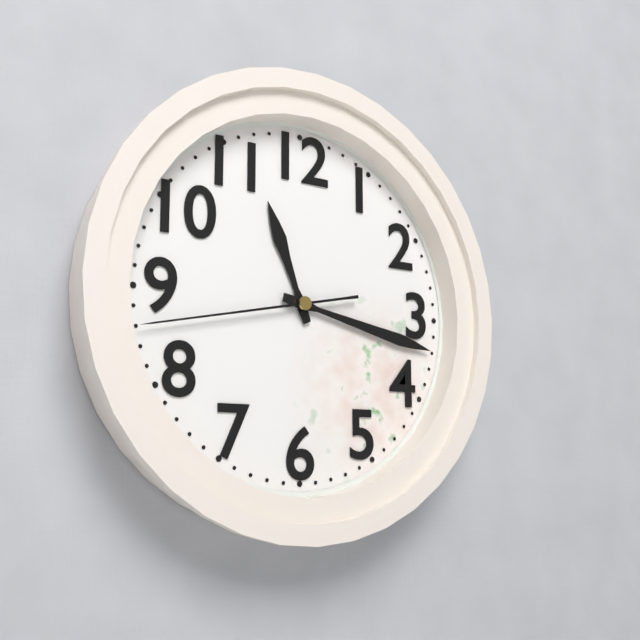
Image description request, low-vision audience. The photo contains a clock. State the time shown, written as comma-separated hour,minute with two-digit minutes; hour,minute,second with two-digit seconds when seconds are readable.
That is 11,17,43
